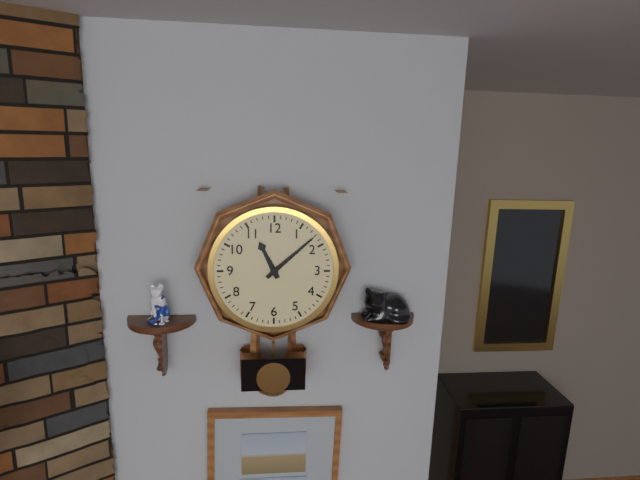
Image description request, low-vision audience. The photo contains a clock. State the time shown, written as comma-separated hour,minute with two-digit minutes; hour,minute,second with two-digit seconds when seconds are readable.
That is 11,08
